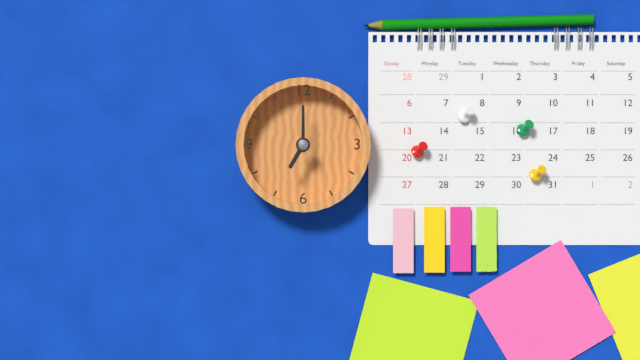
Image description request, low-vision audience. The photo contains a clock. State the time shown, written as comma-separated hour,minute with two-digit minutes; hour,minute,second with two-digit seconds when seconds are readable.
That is 7,00
